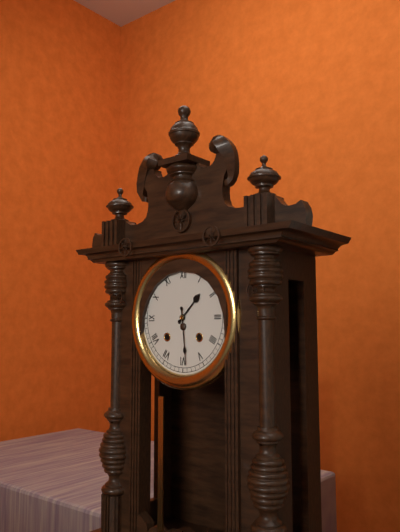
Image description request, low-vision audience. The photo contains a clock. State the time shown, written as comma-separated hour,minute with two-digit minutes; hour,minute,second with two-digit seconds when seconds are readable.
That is 1,29
